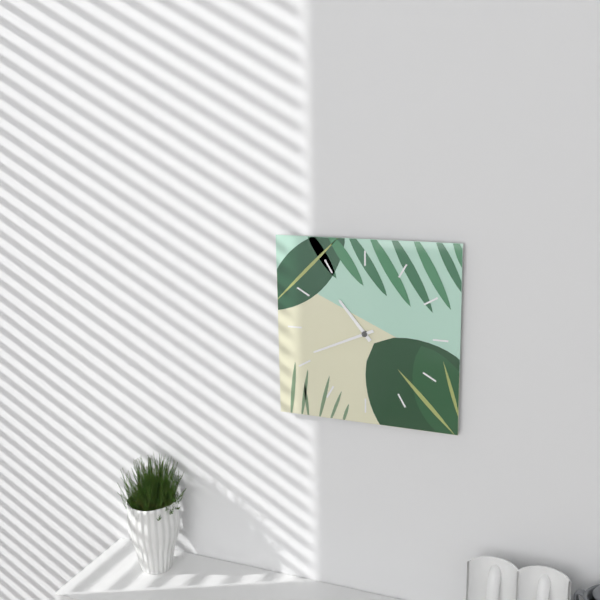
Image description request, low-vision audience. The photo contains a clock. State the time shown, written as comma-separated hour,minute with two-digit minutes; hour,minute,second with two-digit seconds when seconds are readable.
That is 10,41
